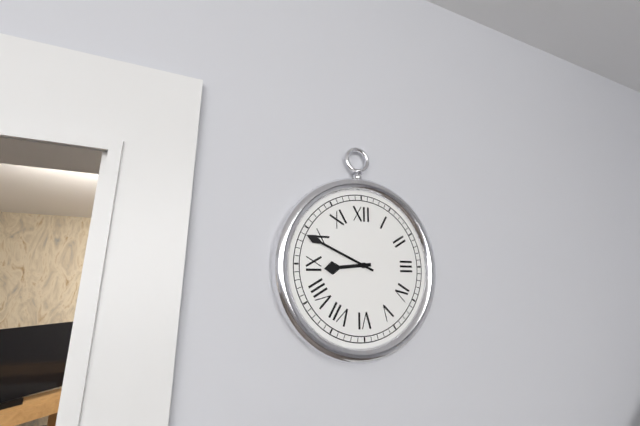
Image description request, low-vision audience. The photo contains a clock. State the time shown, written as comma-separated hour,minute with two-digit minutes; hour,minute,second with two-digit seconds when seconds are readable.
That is 8,49
